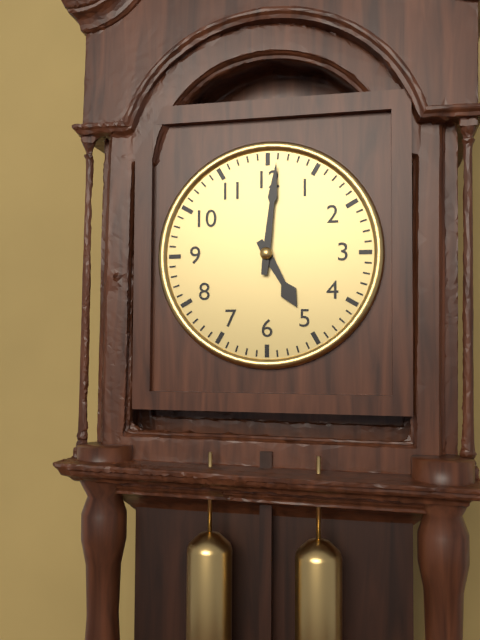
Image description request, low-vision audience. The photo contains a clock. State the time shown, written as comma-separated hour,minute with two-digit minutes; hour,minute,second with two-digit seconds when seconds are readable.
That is 5,01
